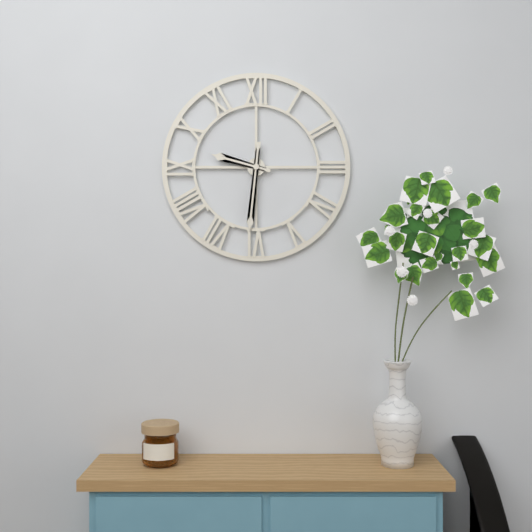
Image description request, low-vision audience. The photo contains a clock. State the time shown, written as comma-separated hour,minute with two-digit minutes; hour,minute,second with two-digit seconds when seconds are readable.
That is 9,31
